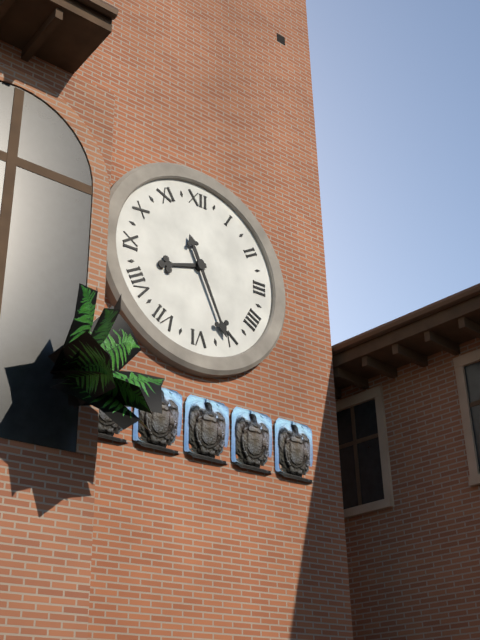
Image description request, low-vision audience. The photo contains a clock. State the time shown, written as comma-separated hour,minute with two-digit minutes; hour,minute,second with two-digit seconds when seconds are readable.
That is 8,26
